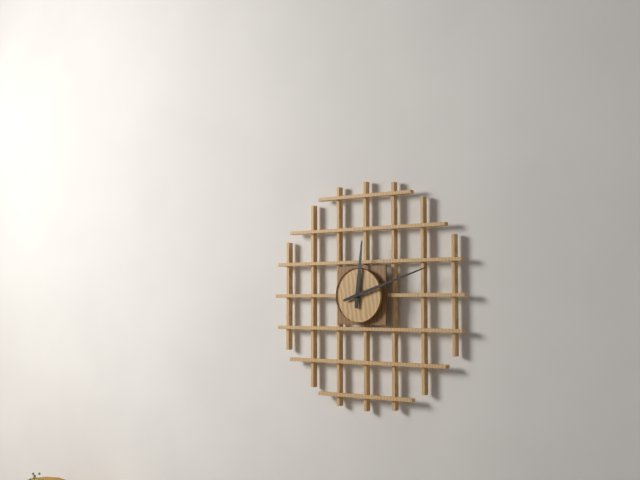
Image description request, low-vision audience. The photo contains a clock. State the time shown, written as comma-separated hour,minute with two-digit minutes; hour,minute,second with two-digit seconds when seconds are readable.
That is 12,12
